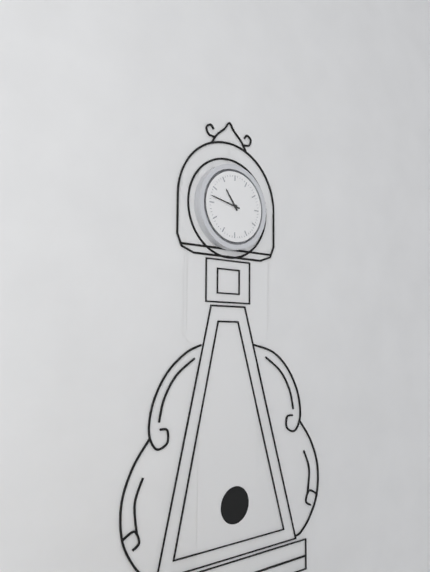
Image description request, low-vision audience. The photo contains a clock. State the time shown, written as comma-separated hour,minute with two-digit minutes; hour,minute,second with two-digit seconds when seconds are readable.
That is 10,47
